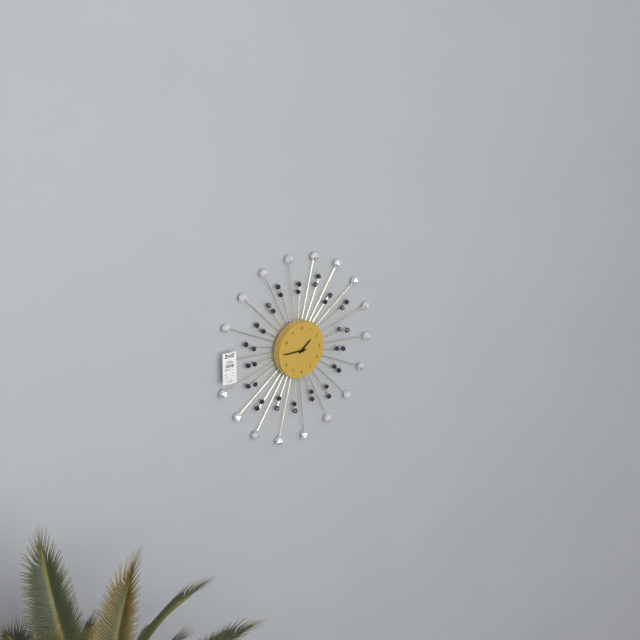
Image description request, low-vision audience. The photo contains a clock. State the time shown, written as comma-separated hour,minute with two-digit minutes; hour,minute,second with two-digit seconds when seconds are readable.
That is 1,45
